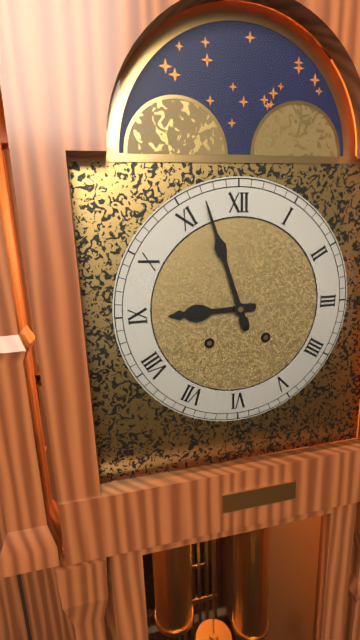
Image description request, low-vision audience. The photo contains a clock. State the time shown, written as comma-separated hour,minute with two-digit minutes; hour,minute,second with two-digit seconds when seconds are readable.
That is 8,57
